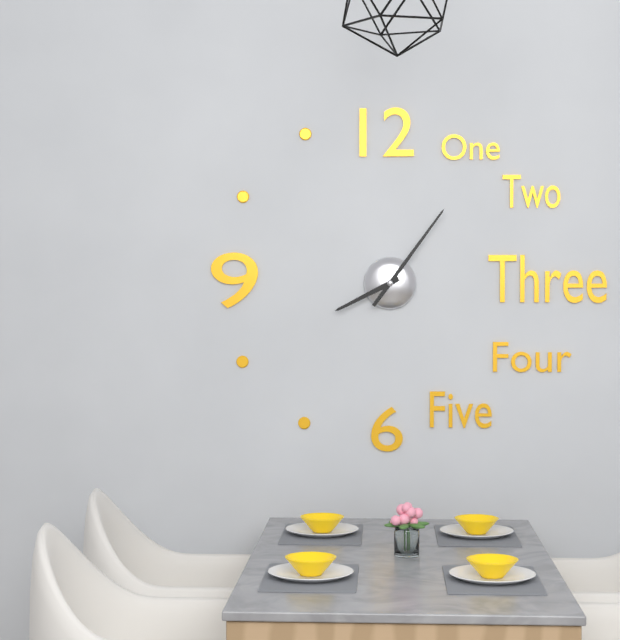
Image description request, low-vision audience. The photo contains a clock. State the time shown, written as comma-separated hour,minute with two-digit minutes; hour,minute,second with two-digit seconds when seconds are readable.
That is 8,06
